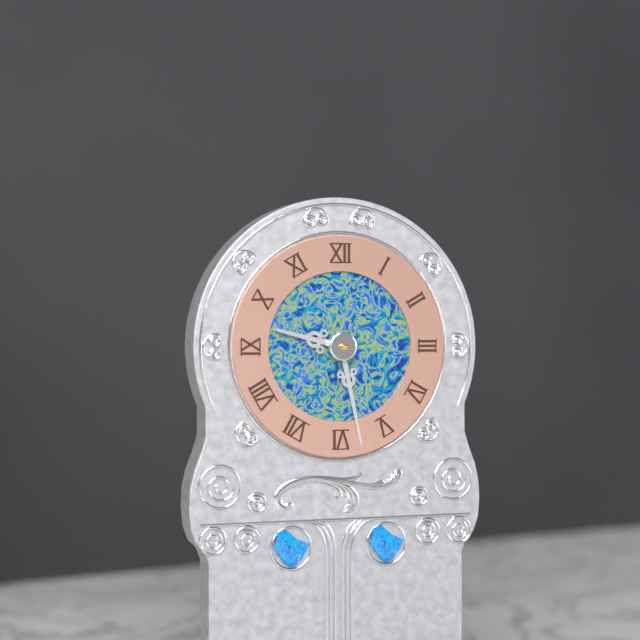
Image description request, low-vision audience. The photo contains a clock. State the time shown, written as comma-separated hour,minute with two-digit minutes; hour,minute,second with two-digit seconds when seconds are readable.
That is 9,28
